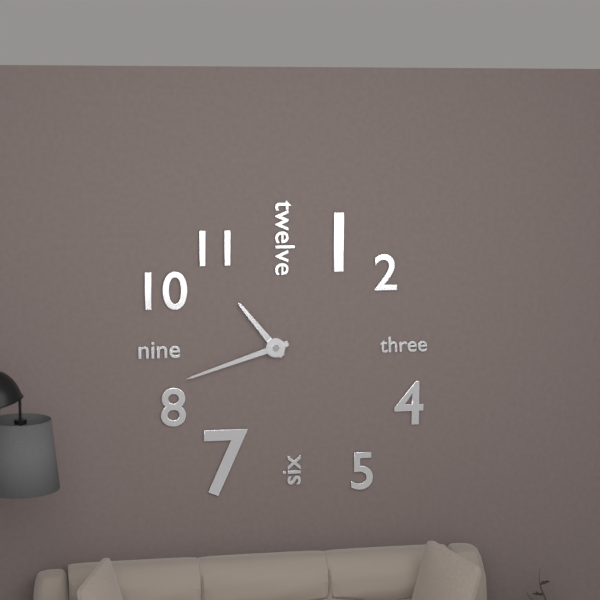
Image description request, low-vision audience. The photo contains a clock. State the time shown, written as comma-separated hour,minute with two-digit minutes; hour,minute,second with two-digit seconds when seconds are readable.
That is 10,42
